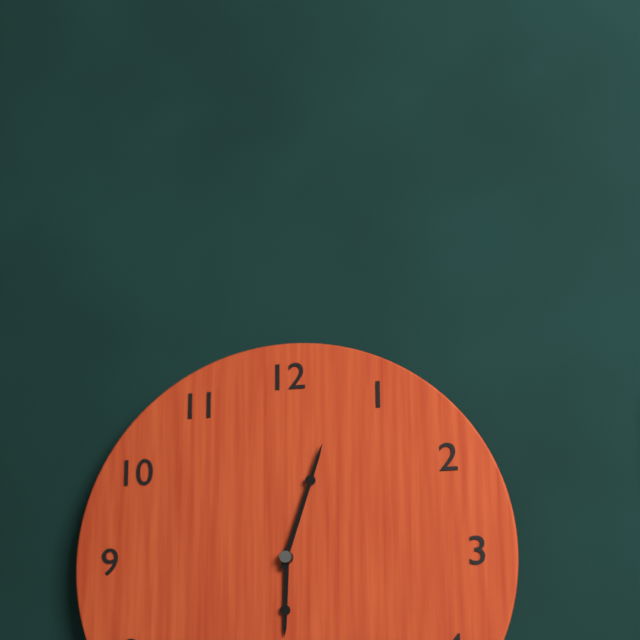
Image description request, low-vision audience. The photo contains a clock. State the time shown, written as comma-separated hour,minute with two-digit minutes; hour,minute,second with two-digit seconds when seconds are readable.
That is 6,03
